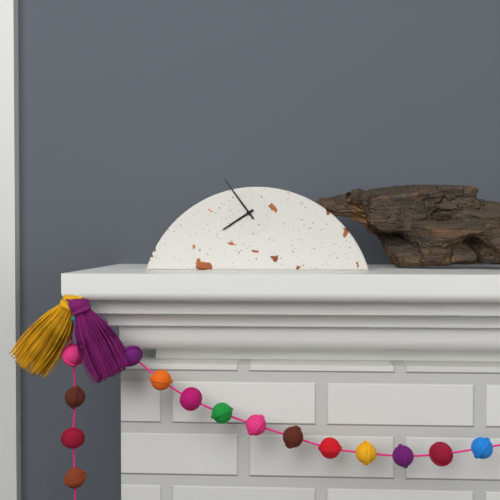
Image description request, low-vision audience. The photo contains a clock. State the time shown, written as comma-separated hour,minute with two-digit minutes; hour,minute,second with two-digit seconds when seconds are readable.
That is 7,54
